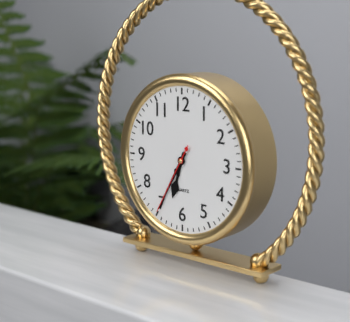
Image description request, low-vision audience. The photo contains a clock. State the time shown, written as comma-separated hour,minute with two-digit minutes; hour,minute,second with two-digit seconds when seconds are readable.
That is 6,35,35
